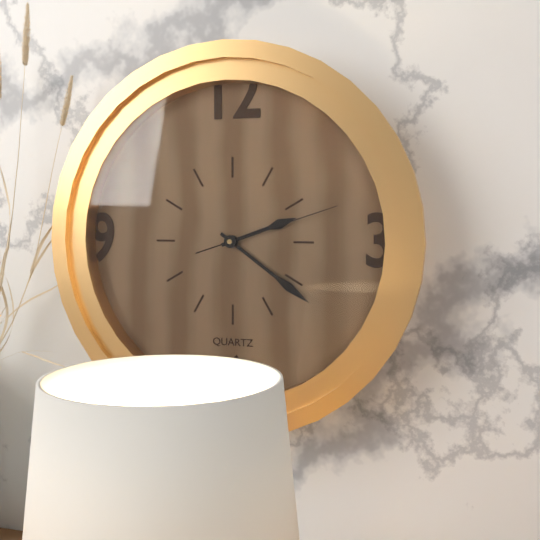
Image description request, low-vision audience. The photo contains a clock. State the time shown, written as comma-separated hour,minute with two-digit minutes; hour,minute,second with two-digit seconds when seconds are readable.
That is 2,21,12
